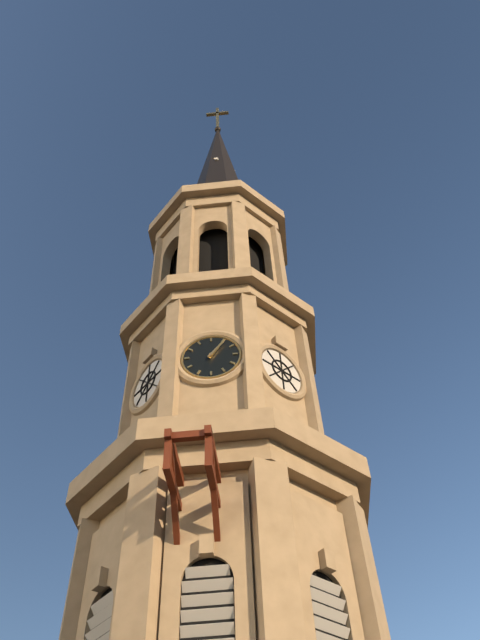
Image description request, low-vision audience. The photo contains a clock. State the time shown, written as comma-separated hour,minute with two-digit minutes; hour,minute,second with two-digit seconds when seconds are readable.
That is 1,06
